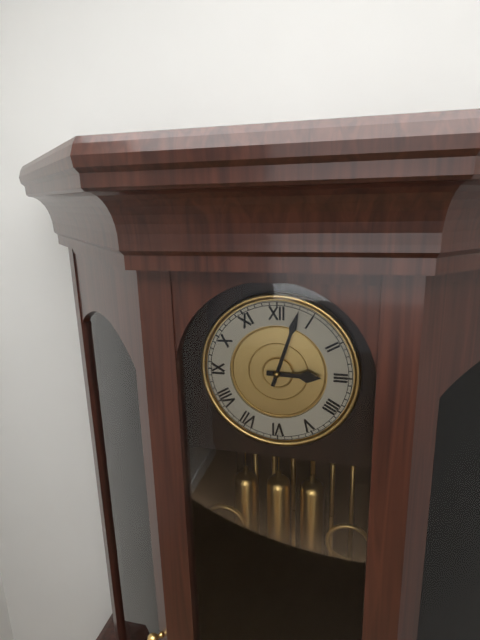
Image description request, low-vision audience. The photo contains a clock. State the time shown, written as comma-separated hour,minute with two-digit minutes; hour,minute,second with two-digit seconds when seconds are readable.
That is 3,03
